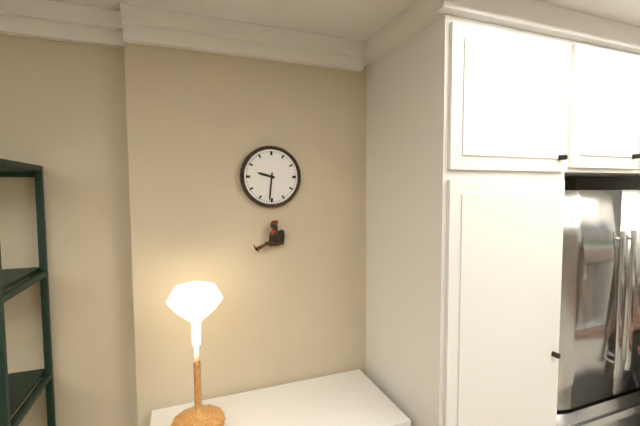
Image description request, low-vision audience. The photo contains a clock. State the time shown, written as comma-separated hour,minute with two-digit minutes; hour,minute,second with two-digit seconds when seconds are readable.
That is 9,31
